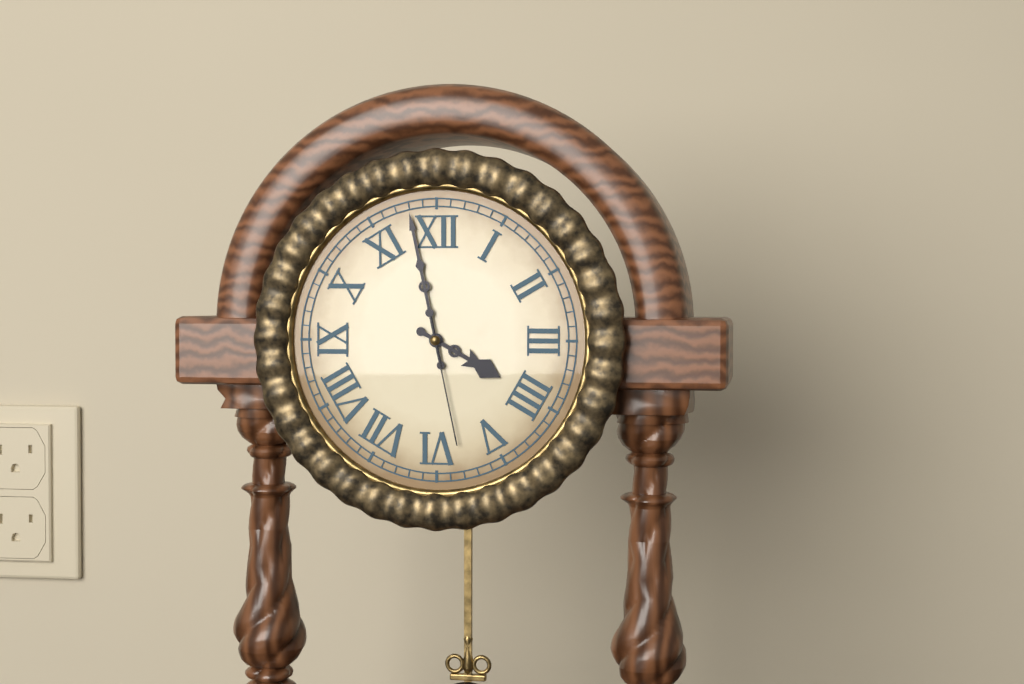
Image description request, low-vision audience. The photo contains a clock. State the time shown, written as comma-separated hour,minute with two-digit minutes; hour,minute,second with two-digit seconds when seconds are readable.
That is 3,58,28
